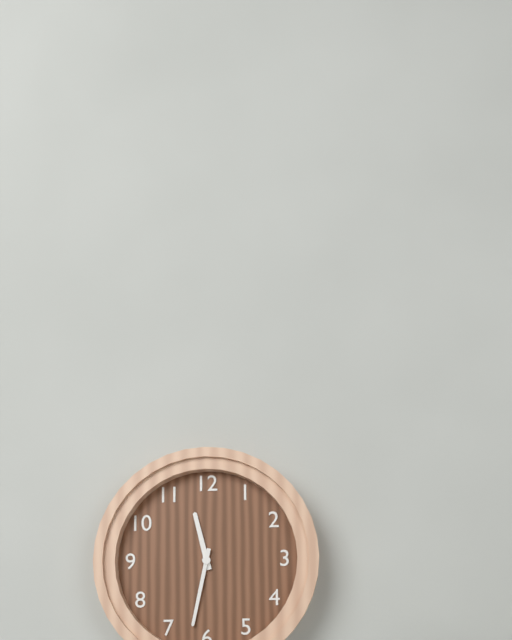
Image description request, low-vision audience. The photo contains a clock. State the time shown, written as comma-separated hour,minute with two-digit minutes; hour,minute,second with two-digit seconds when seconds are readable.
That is 11,32
